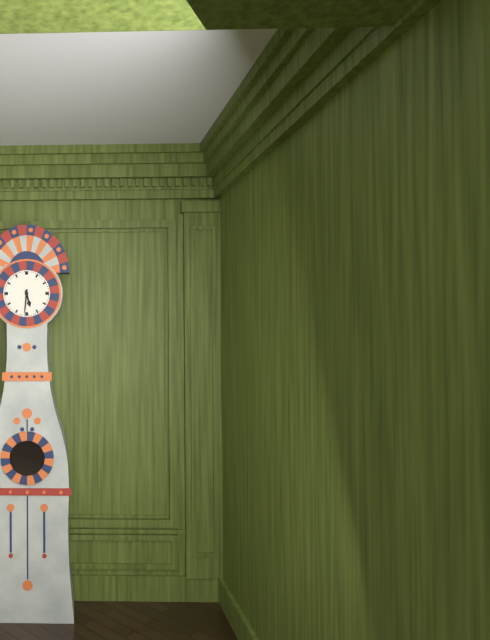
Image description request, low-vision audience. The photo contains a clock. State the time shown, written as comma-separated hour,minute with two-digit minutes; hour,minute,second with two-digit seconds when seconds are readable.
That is 5,31
